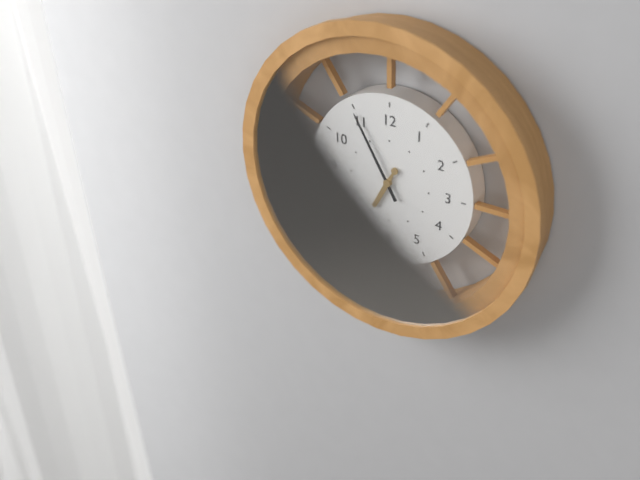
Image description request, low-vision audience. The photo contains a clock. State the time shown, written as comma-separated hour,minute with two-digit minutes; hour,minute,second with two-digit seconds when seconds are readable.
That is 6,55
